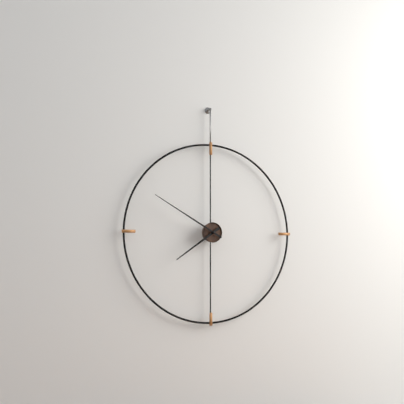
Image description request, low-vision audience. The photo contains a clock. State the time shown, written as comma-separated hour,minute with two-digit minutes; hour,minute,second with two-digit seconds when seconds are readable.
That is 7,50
